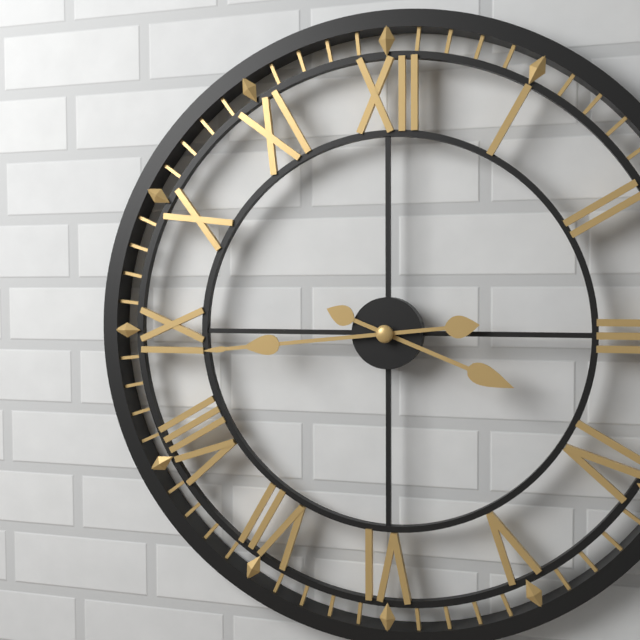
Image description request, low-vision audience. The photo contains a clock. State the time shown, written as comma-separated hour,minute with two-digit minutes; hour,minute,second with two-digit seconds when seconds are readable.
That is 3,44
